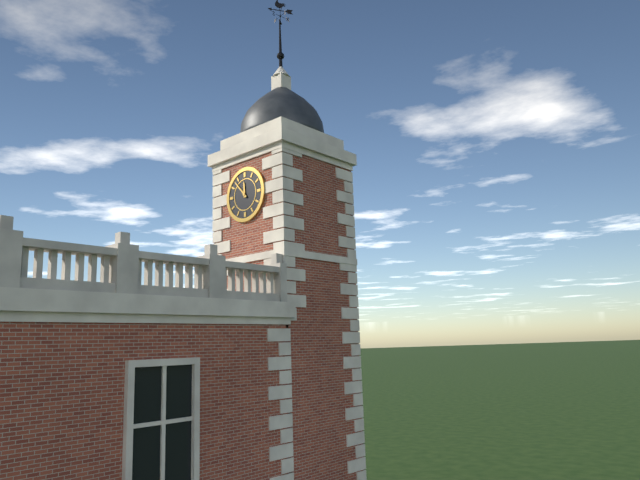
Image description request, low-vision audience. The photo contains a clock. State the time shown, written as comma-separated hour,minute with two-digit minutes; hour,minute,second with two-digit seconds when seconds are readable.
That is 11,53
